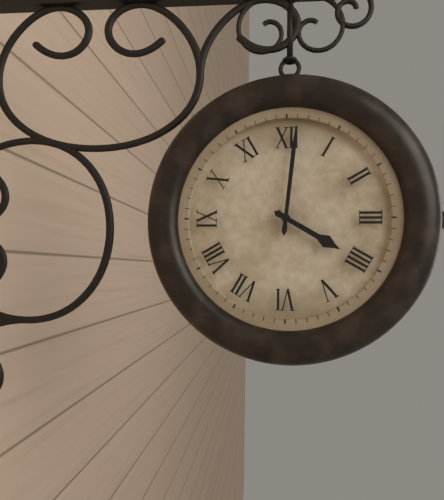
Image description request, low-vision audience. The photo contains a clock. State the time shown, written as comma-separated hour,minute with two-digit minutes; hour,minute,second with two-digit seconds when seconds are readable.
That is 4,01
